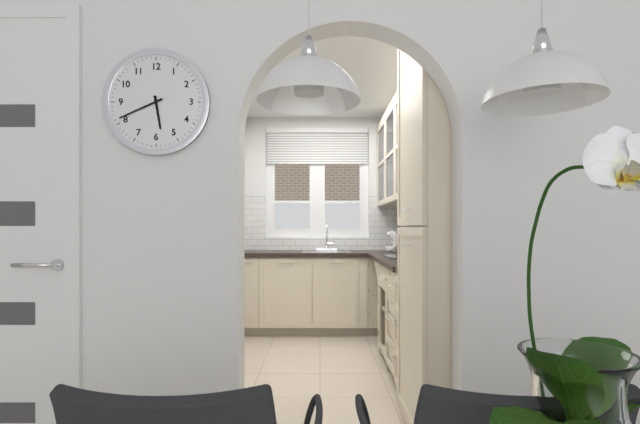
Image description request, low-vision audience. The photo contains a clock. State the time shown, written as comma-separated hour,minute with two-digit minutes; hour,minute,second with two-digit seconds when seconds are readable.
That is 5,41
